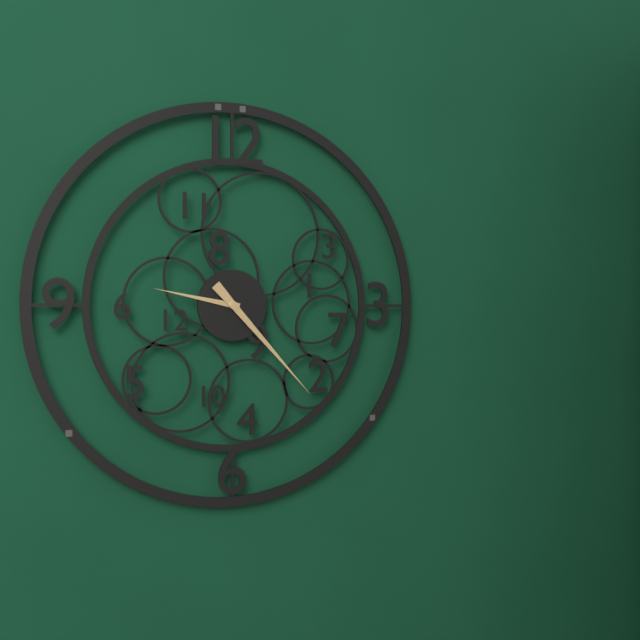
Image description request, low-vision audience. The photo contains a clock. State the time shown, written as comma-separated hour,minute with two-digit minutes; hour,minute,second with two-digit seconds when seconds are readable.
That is 9,23
